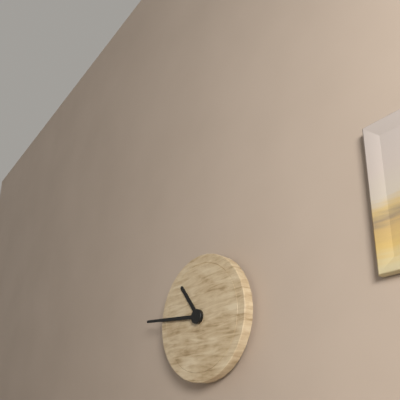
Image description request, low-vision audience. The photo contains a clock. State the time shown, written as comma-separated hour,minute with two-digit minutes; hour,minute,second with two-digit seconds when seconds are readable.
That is 10,46
